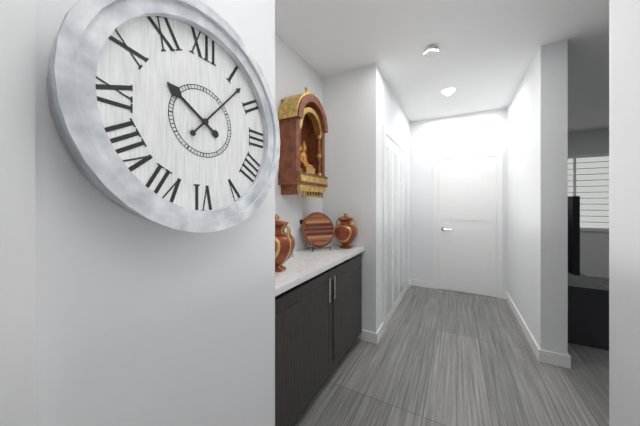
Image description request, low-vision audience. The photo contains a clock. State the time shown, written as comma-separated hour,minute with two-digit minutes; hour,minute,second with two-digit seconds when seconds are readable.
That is 10,07
